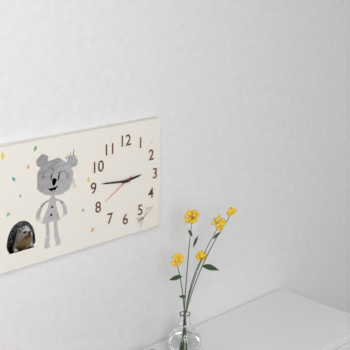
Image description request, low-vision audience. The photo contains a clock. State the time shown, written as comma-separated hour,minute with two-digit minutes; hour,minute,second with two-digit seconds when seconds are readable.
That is 2,46
